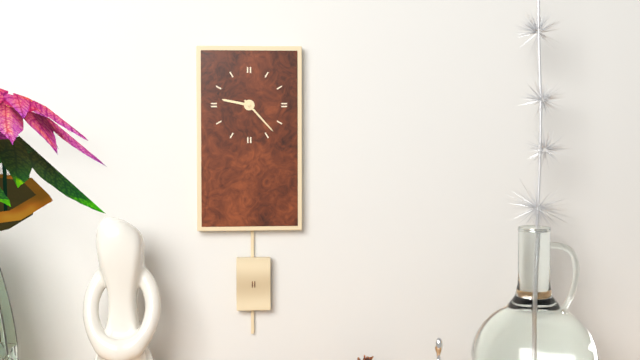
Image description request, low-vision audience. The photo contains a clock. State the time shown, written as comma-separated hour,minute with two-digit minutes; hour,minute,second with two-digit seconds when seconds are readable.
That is 9,23
